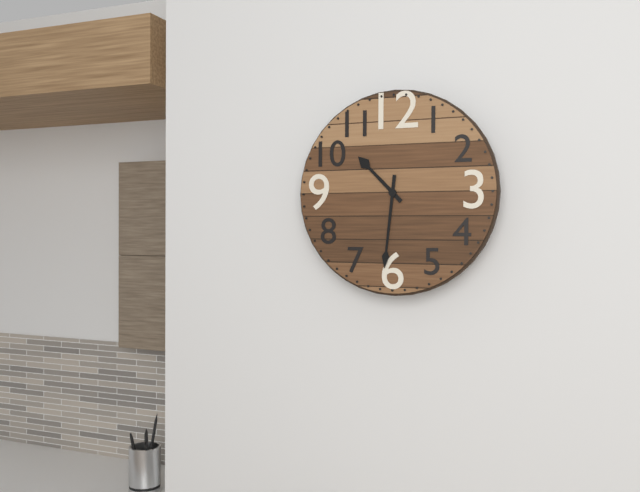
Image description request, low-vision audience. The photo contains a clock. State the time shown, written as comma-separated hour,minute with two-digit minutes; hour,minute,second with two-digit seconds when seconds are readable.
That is 10,31
